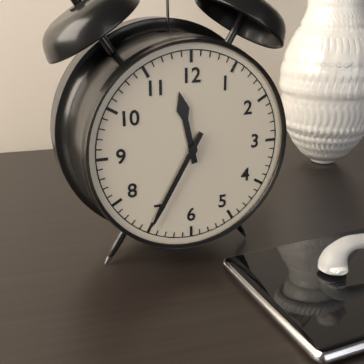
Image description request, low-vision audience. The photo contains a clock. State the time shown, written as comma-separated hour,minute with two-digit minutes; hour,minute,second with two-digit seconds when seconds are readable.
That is 11,35
